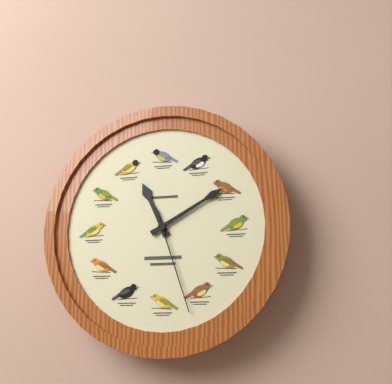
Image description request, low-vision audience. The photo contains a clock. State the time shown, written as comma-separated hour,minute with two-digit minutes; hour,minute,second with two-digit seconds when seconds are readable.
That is 11,10,27
